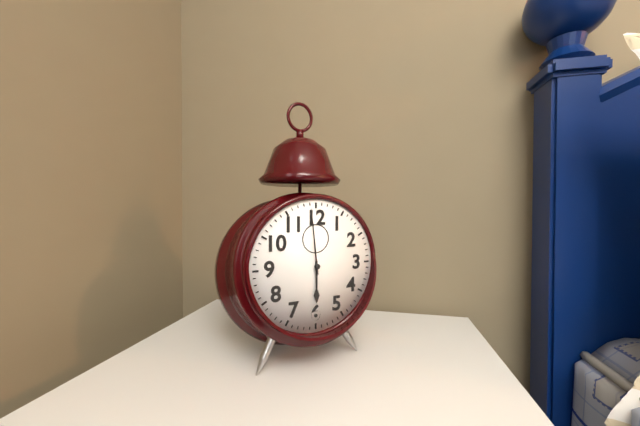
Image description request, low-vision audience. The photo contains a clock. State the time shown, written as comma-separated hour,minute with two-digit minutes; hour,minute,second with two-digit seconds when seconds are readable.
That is 5,59
